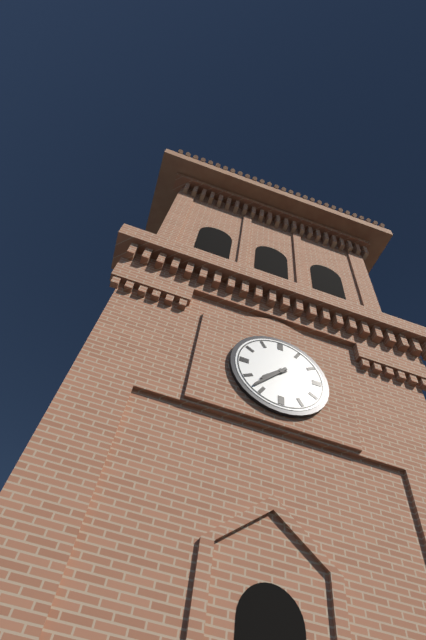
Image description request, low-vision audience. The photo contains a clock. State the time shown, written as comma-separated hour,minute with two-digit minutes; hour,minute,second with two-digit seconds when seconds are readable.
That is 7,37
